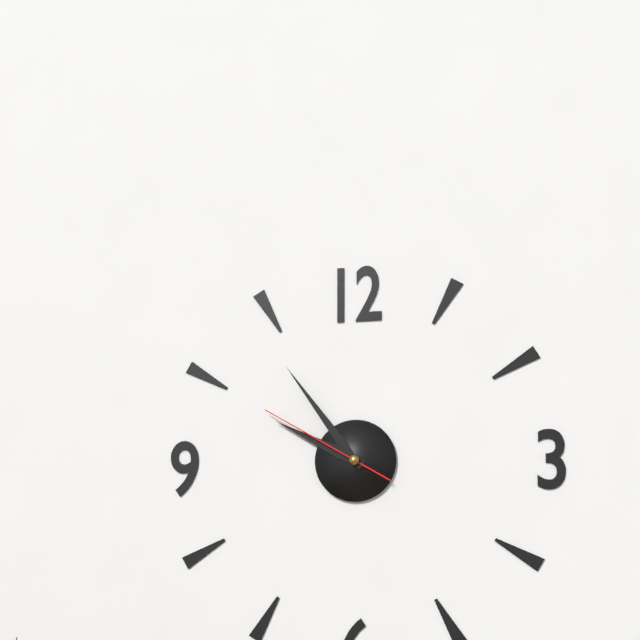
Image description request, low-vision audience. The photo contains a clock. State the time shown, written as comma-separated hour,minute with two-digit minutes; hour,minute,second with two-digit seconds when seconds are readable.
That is 9,54,50
